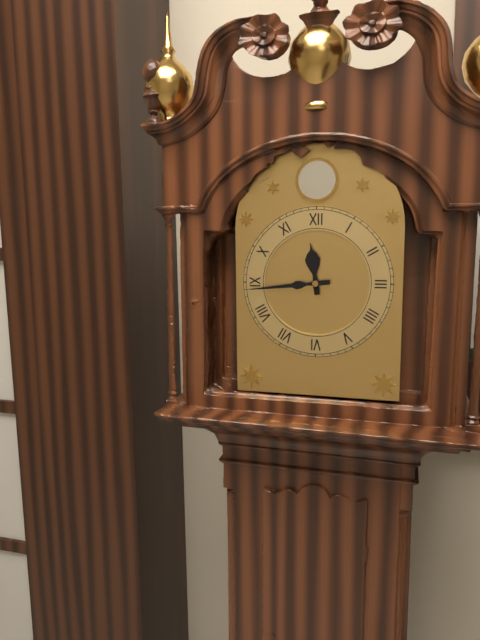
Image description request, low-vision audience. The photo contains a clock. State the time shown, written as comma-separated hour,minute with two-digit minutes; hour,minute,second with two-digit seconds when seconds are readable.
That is 11,44
